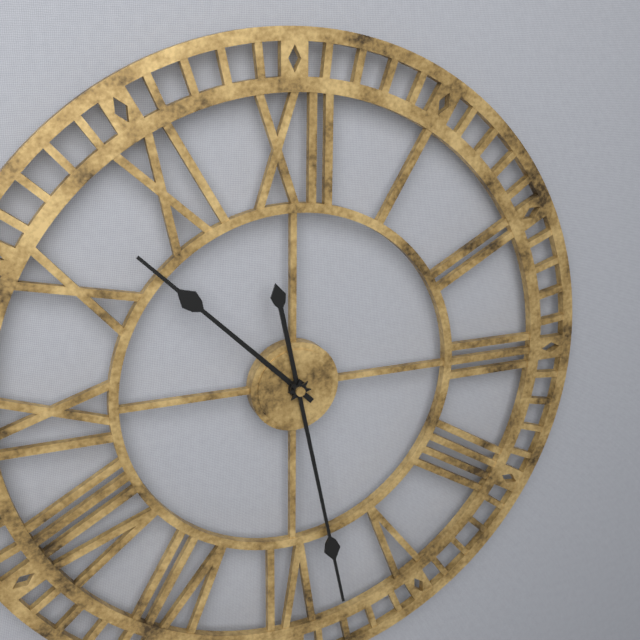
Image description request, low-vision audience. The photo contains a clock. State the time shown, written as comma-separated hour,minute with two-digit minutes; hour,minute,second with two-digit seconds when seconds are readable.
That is 10,28
